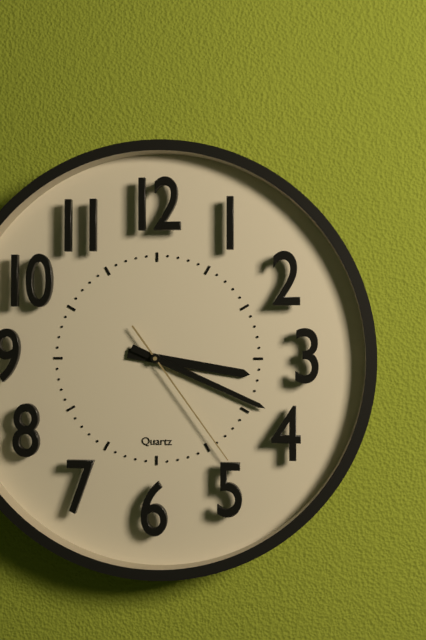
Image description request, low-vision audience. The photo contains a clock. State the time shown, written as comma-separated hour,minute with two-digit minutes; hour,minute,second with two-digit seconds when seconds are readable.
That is 3,19,24
